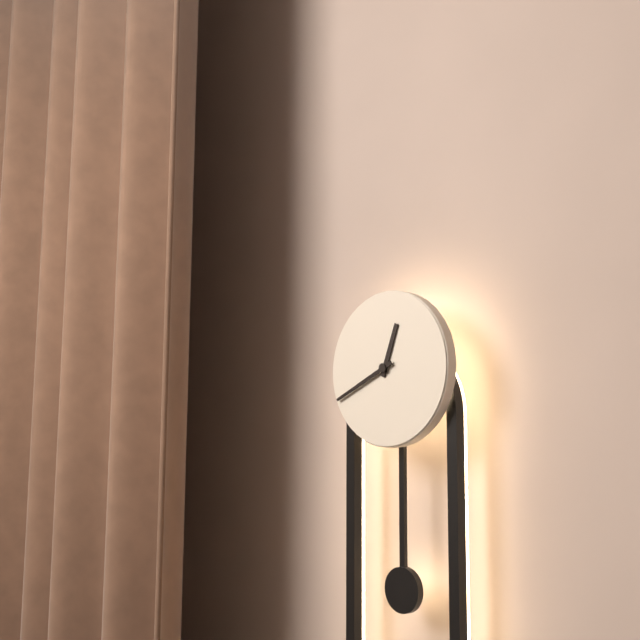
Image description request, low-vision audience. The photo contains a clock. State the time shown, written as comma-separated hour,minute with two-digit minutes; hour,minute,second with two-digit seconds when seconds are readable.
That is 12,41
